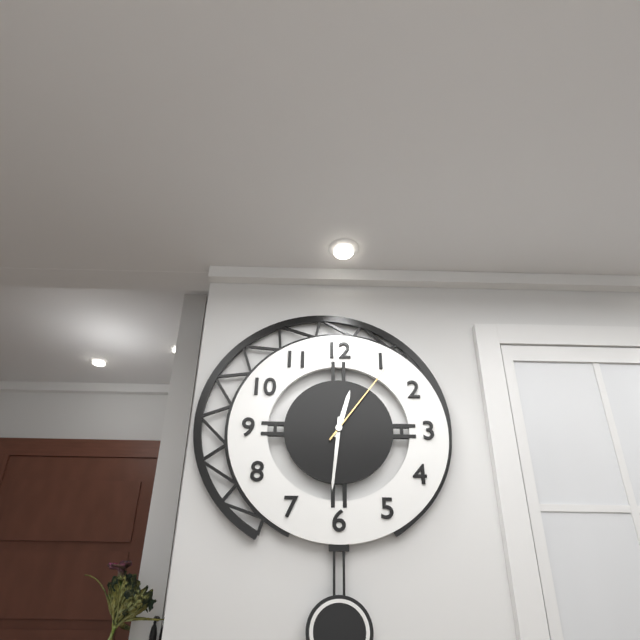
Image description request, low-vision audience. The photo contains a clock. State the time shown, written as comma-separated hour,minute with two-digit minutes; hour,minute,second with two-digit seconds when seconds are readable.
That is 12,31,06
